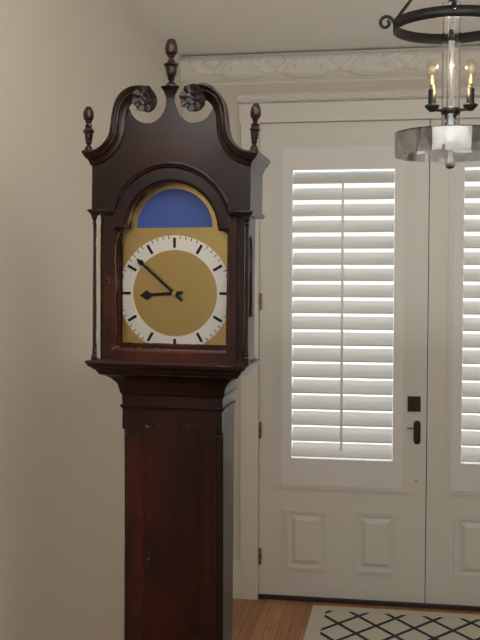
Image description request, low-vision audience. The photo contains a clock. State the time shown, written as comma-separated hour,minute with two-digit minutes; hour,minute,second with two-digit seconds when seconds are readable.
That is 8,52
